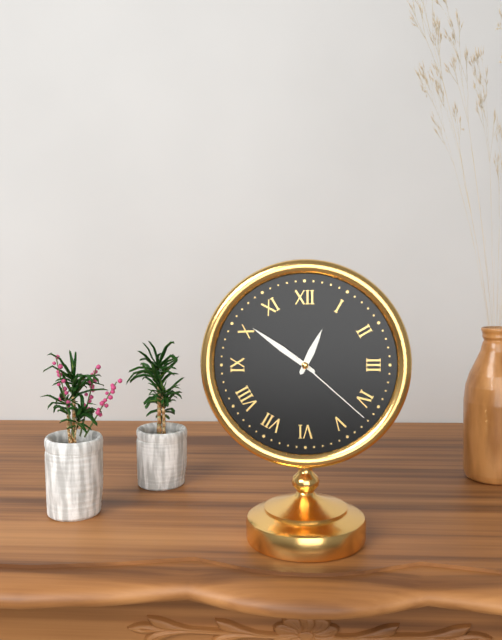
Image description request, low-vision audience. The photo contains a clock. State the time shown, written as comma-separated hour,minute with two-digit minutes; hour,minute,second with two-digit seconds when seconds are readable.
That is 12,51,22
